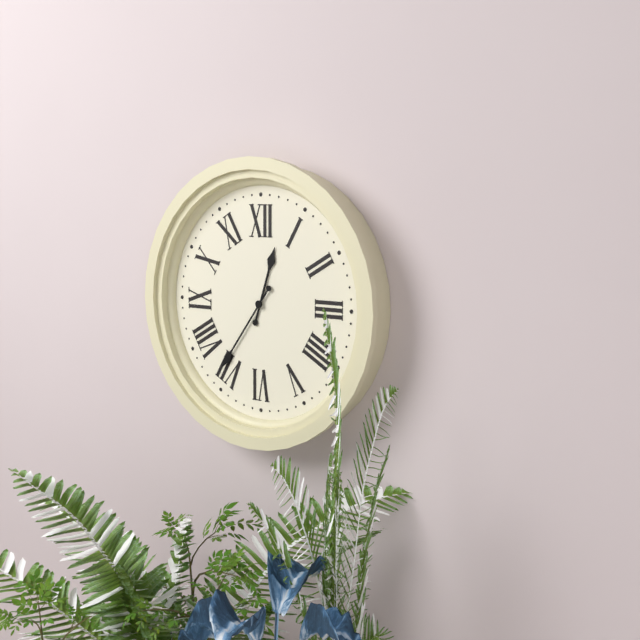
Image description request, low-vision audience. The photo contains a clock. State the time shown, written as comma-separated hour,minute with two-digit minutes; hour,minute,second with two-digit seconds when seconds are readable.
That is 12,36
